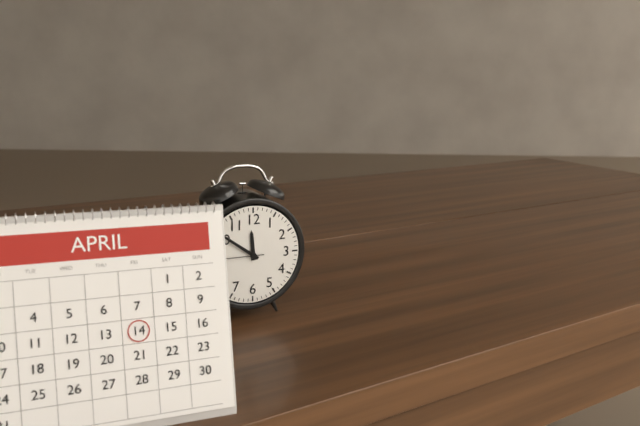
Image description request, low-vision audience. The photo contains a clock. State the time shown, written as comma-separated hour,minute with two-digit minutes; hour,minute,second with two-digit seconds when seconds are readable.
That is 11,51
